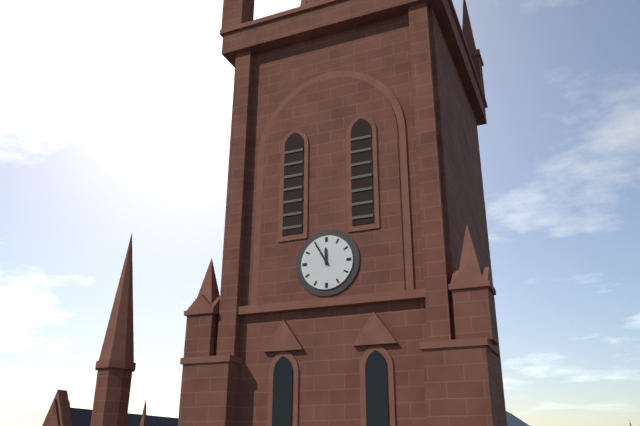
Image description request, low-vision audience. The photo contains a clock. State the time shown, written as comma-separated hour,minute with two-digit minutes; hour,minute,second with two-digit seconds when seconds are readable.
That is 11,55
